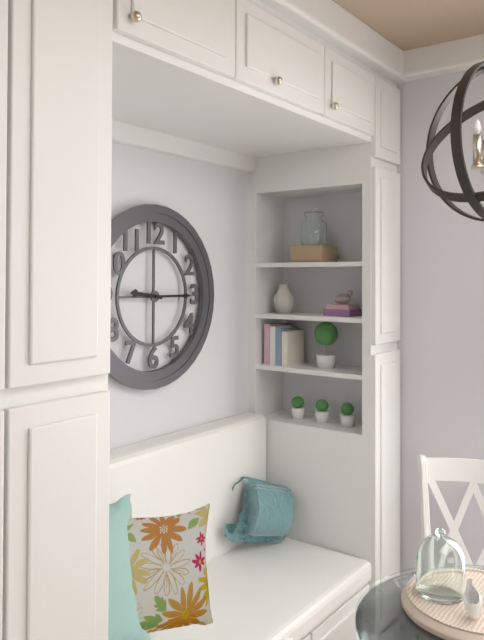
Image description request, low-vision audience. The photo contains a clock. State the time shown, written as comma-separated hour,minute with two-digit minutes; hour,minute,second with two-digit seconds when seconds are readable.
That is 9,15
